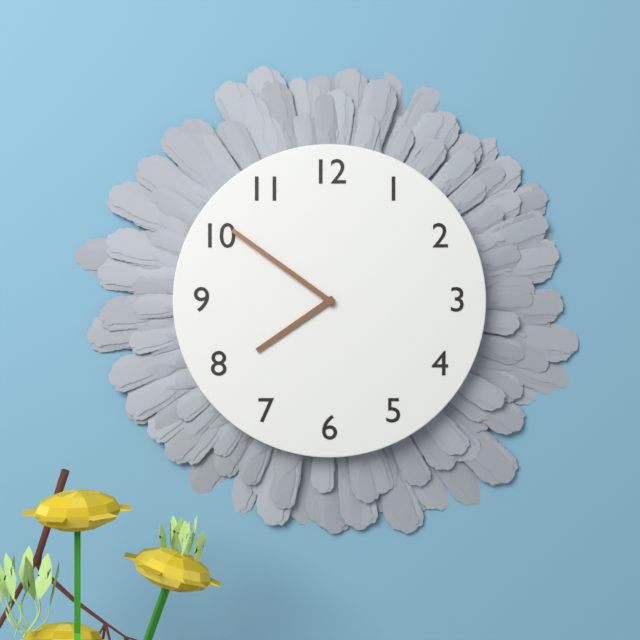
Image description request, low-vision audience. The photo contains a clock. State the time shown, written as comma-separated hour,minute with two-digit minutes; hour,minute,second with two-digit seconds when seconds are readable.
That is 7,51
